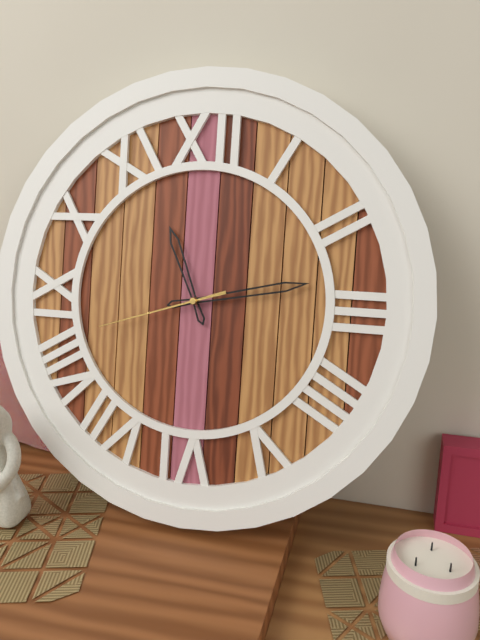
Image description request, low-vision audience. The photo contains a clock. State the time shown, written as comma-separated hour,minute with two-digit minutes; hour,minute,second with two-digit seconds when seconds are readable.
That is 11,13,42
